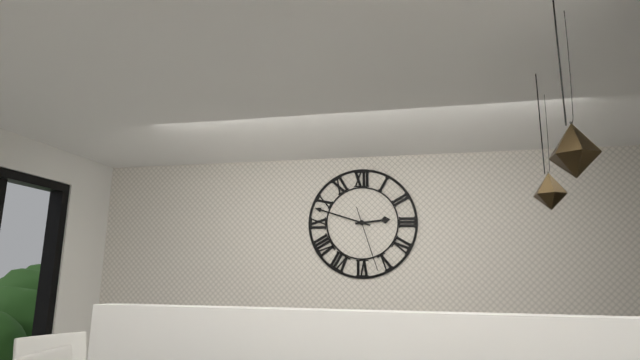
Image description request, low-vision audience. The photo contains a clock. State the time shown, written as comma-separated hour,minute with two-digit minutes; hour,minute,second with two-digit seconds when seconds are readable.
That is 2,48,27
